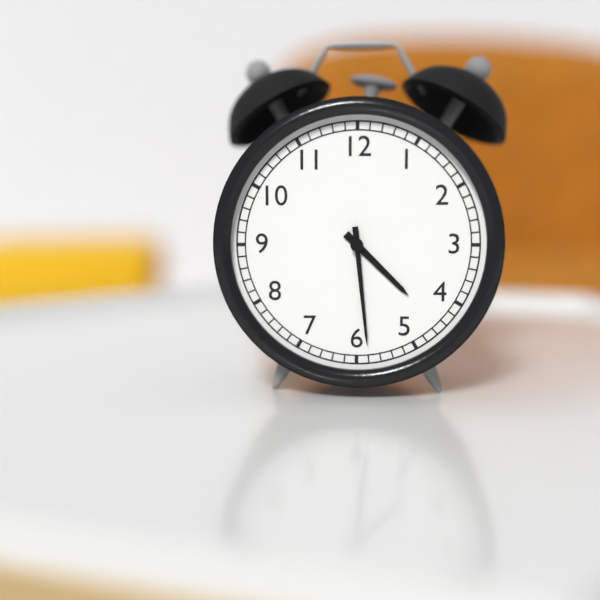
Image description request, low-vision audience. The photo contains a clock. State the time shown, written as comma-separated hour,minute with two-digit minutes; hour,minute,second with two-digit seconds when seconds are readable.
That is 4,29
